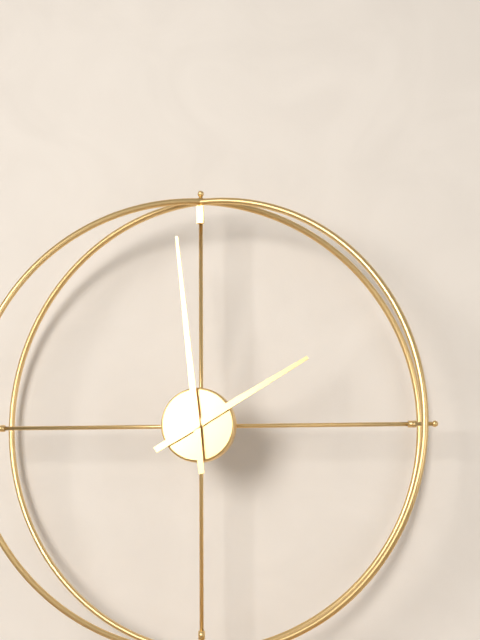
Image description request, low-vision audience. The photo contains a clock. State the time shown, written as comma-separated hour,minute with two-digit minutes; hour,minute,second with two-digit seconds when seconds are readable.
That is 1,59
